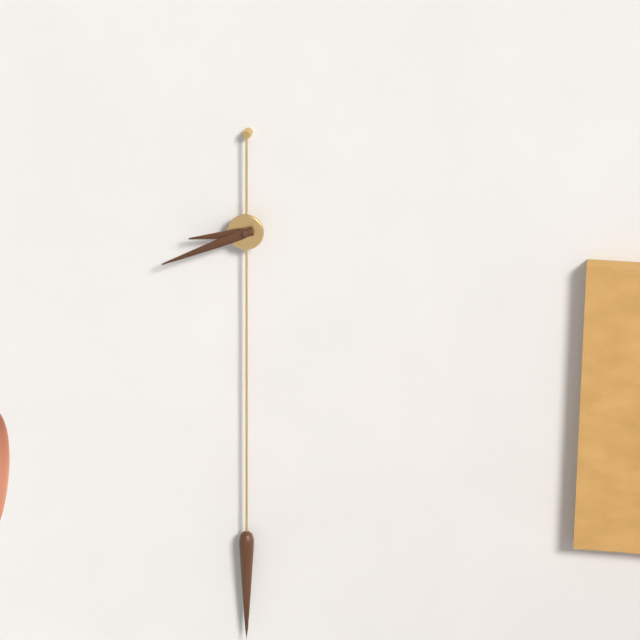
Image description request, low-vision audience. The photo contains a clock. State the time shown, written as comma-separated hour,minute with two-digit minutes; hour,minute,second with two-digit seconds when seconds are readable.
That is 8,41
